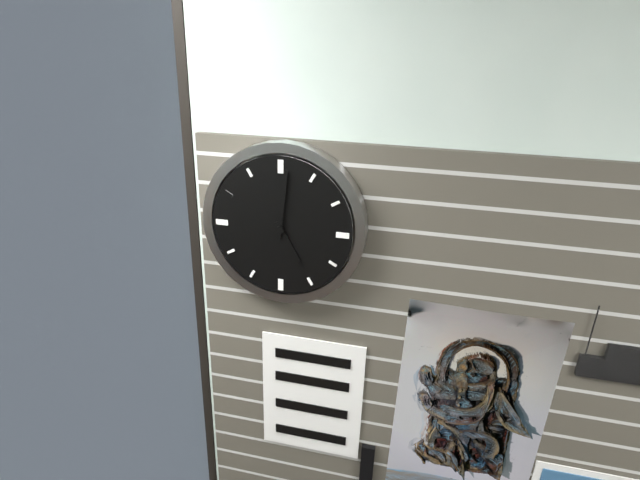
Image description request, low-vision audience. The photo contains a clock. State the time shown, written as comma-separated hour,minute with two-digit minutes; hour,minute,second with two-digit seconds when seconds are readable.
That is 5,01
